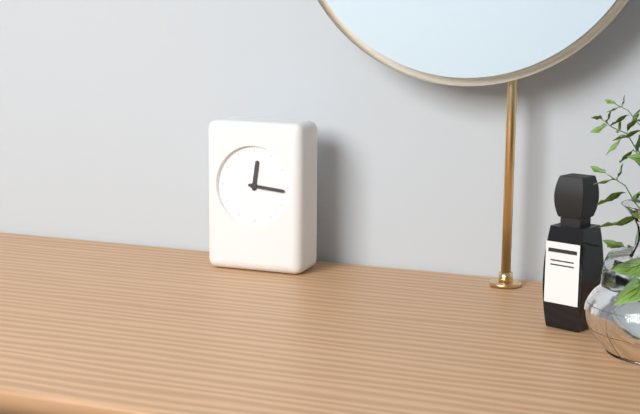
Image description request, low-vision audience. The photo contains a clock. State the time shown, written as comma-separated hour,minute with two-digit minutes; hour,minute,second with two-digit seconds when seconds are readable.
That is 12,16
